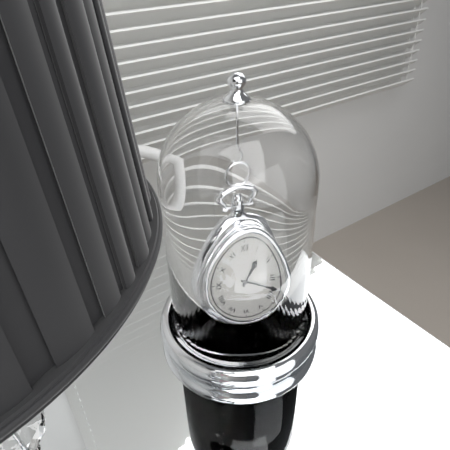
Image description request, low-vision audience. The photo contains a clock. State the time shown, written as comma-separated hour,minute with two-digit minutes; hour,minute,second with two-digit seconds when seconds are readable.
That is 1,18
